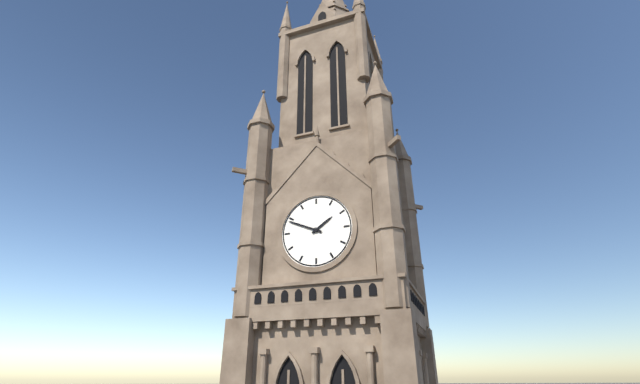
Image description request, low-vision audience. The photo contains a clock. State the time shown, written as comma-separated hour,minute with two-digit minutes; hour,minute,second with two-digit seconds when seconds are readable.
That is 1,49
